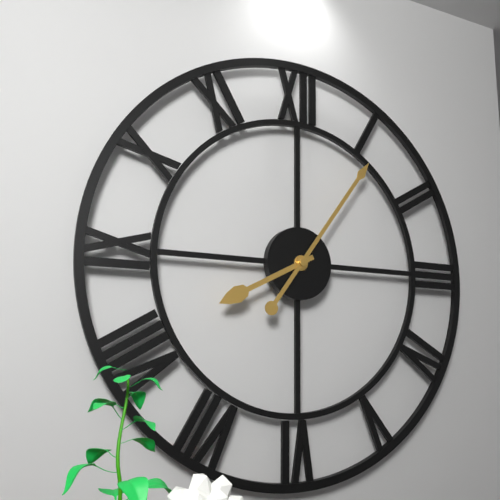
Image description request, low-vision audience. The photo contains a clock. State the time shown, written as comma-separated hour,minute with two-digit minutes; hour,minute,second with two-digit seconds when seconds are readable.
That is 8,06
